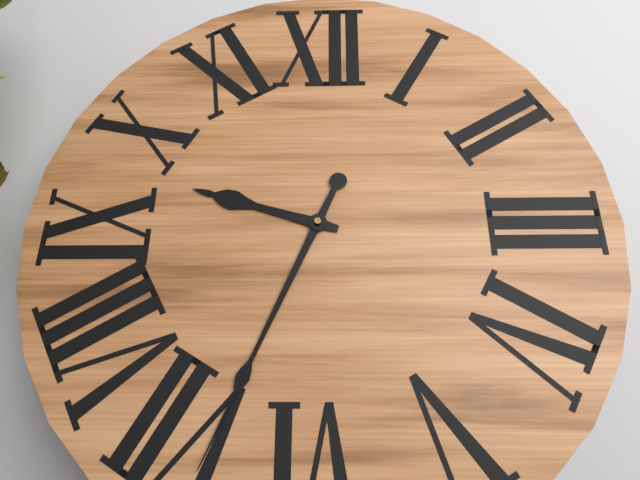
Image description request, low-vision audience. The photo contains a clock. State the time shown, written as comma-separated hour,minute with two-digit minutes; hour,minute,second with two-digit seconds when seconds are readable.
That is 9,34
